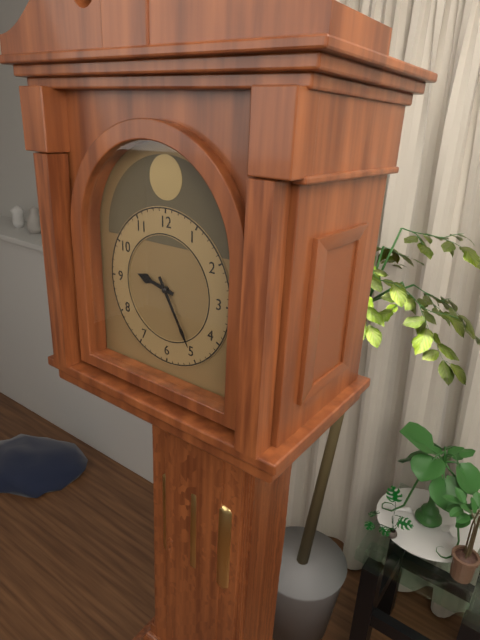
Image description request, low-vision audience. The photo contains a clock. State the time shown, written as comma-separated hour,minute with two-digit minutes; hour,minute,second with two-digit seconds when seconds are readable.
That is 9,25
